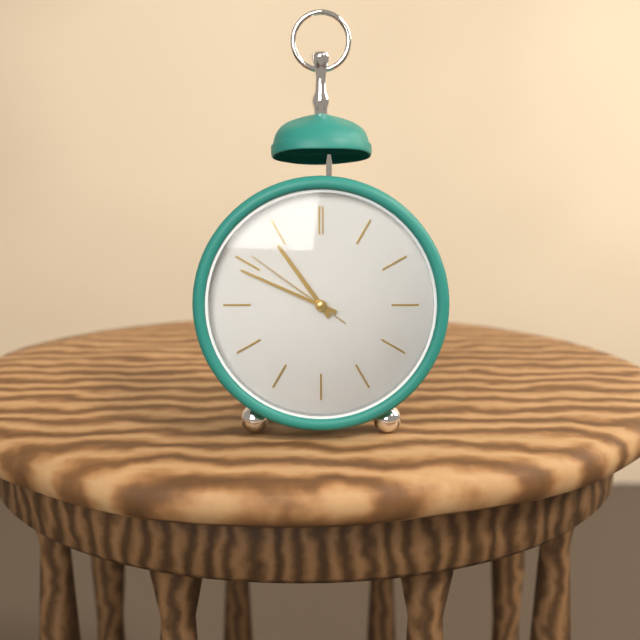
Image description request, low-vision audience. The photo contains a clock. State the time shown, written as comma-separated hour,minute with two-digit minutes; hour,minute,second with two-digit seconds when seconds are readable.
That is 10,49,51
